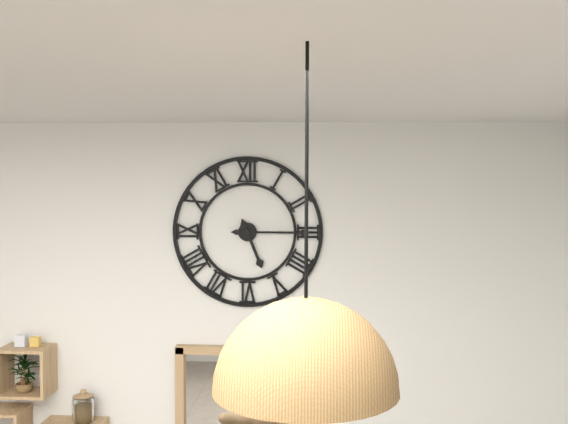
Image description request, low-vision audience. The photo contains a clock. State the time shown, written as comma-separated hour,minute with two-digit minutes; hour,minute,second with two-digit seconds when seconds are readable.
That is 5,15
